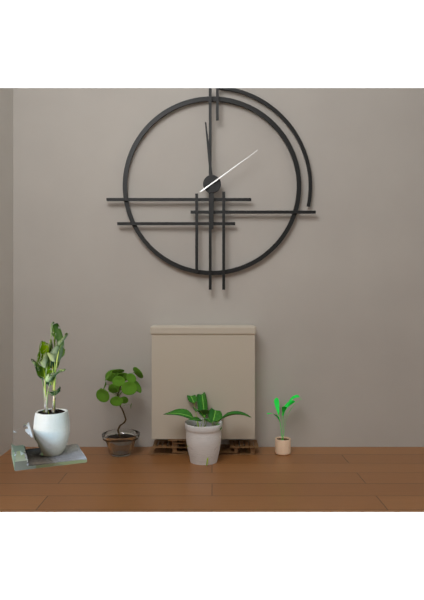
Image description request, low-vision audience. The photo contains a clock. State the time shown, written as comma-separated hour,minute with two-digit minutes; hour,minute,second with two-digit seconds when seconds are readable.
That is 5,59,09
